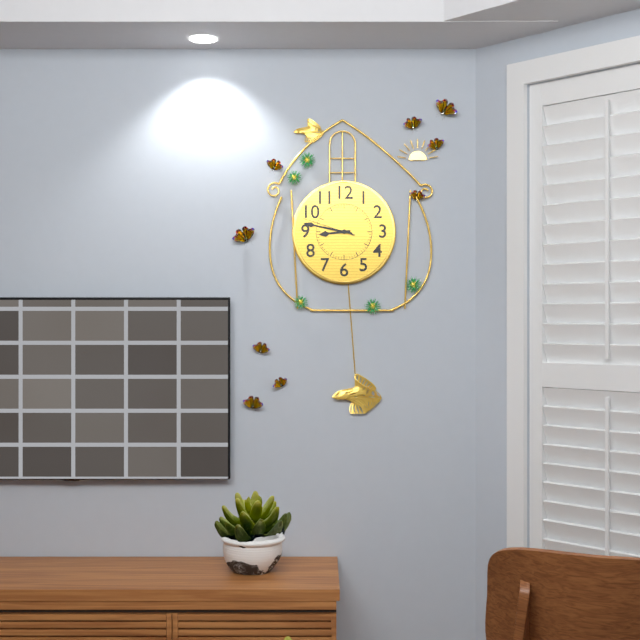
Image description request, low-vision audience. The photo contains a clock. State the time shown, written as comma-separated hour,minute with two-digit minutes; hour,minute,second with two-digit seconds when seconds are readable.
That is 8,47,48
